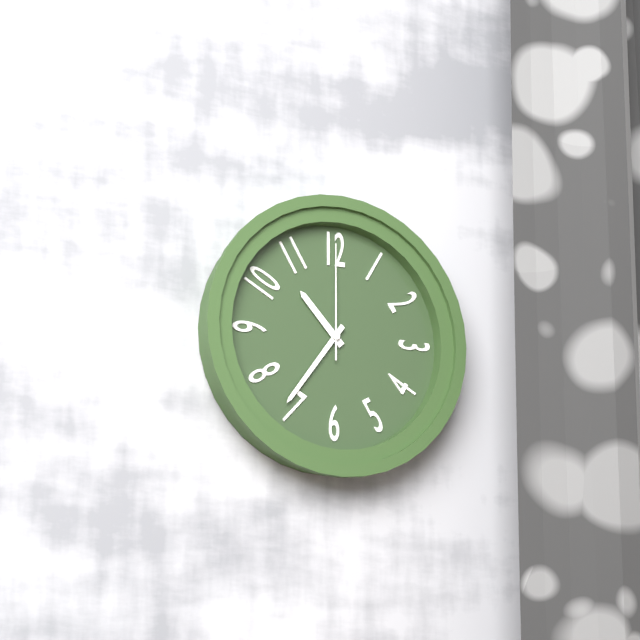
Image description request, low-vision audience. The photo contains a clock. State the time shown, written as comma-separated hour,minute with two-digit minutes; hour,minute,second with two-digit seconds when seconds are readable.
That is 10,36,00
